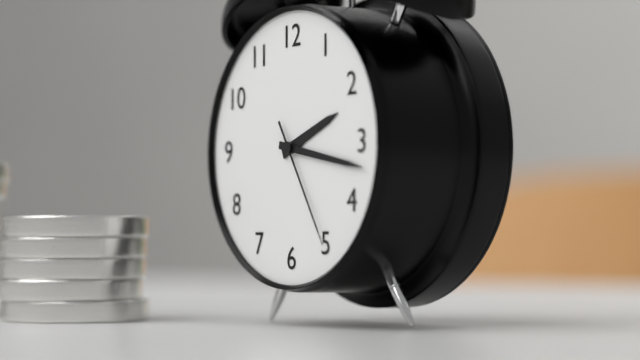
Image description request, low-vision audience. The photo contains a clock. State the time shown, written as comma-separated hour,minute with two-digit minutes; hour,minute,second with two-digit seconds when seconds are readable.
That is 2,17,25
